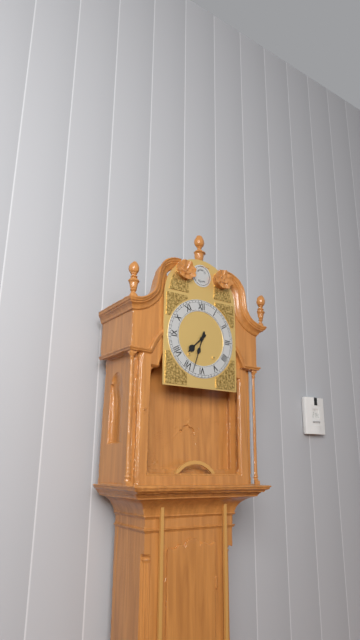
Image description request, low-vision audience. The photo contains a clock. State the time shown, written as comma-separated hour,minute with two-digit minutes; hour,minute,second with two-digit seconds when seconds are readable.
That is 7,33
